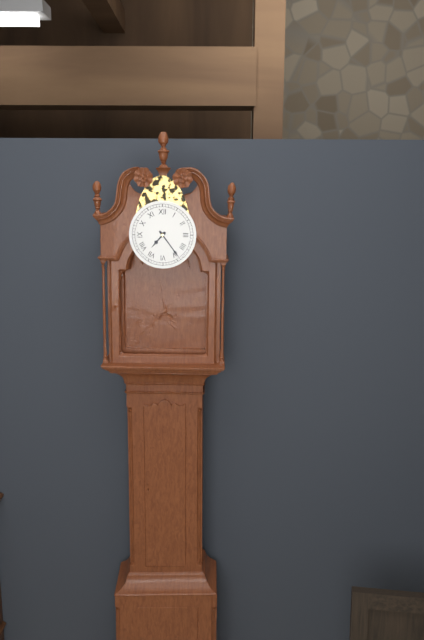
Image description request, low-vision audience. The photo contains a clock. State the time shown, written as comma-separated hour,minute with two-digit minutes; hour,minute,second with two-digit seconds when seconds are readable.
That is 7,24
